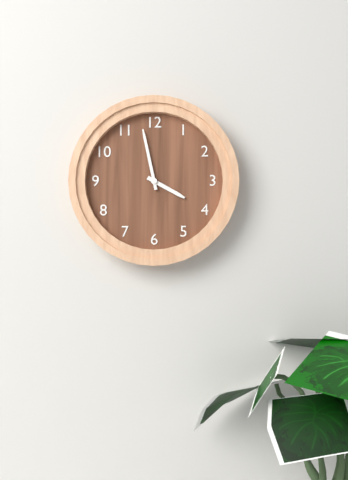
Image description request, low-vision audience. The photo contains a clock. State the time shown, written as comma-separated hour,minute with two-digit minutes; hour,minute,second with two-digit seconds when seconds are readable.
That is 3,58
